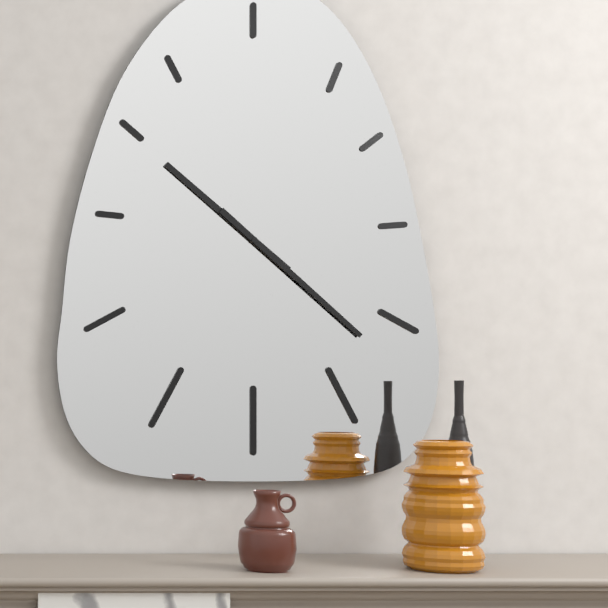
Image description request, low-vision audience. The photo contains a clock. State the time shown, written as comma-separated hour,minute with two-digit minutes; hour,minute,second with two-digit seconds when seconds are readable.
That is 10,22
